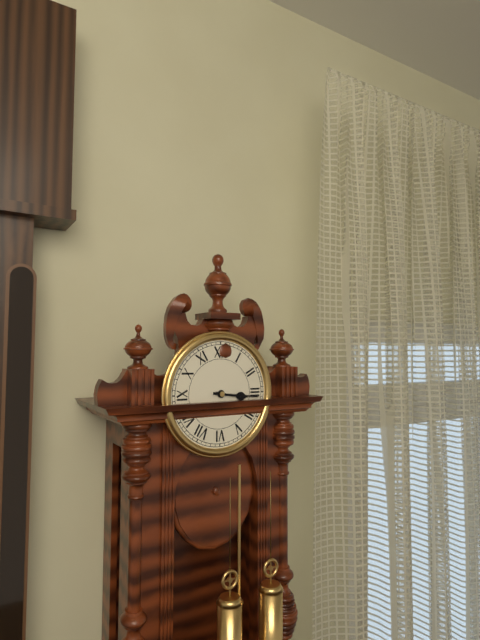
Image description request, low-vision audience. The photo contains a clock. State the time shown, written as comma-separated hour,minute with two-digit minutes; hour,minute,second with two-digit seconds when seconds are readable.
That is 3,16
